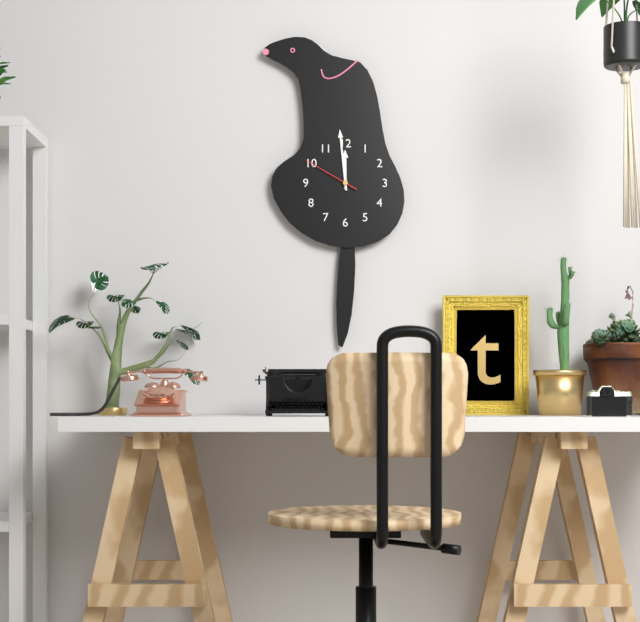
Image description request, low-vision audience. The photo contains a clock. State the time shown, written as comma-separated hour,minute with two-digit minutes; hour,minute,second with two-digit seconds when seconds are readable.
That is 11,59,50
